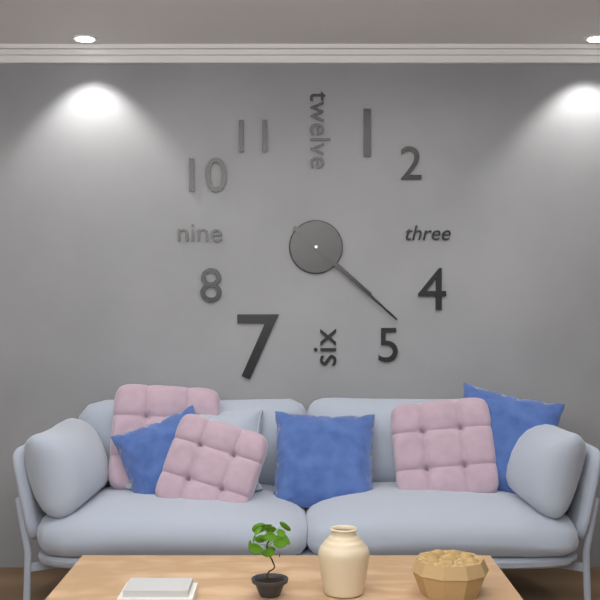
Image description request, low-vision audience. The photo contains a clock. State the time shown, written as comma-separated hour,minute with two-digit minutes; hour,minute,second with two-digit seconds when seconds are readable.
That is 4,22
